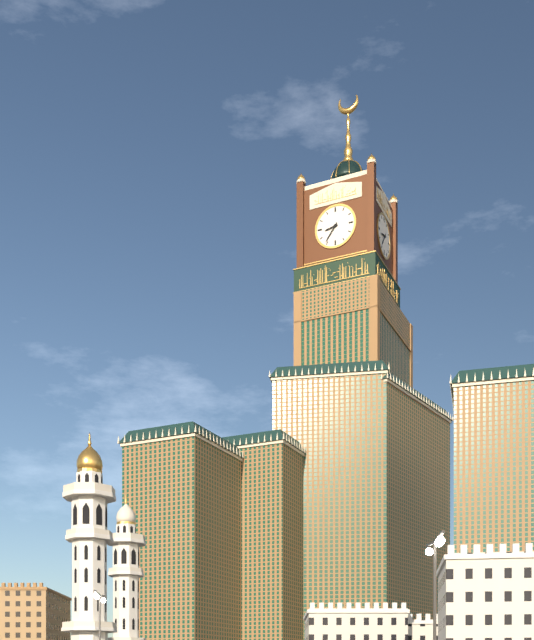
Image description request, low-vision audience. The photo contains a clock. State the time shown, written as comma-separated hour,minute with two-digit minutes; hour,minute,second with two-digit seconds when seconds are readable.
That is 8,36
